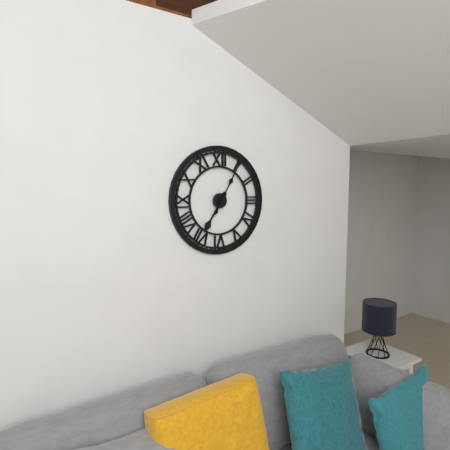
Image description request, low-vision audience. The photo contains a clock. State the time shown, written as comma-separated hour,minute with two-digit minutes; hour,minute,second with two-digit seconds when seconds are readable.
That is 7,05
